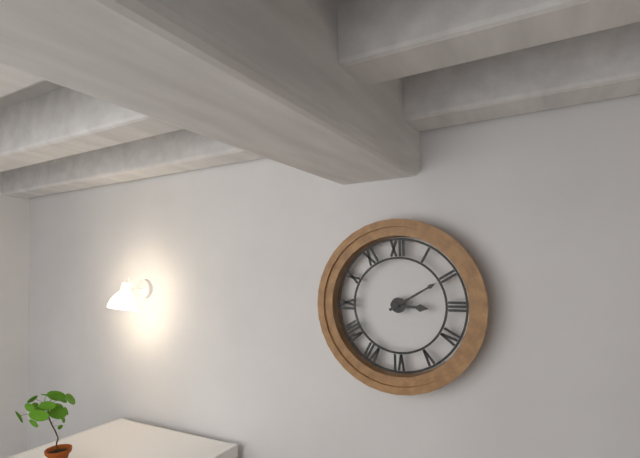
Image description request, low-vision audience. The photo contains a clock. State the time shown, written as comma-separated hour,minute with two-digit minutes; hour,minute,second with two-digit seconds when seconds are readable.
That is 3,10
